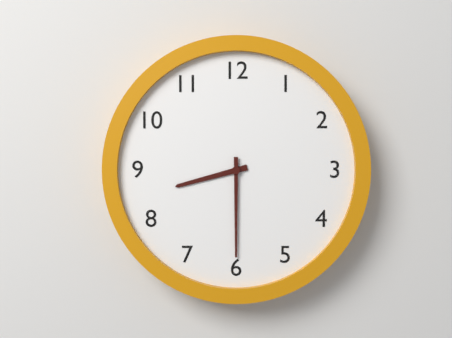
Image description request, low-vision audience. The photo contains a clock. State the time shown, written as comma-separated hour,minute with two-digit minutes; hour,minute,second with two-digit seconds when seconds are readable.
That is 8,30
